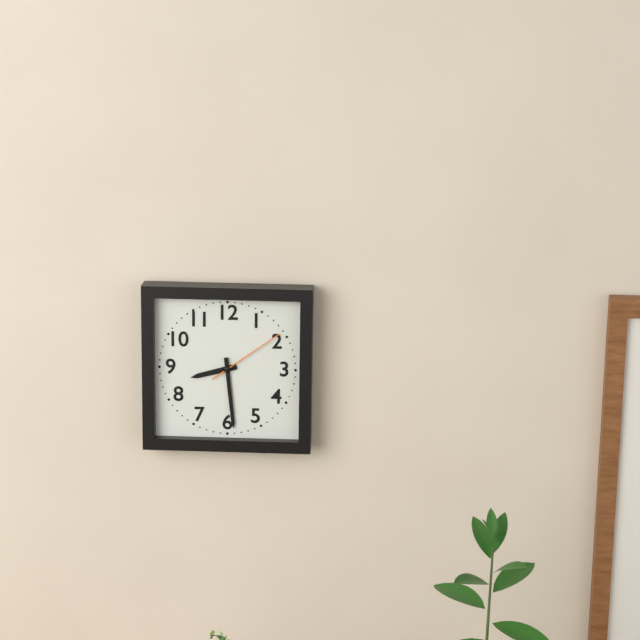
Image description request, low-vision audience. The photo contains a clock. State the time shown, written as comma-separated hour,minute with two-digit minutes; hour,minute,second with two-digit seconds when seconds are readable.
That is 8,29,09
